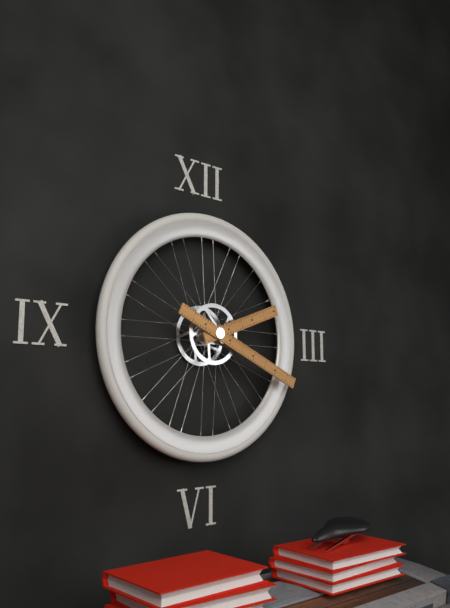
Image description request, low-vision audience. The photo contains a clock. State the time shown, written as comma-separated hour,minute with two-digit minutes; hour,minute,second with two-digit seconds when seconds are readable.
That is 2,19
